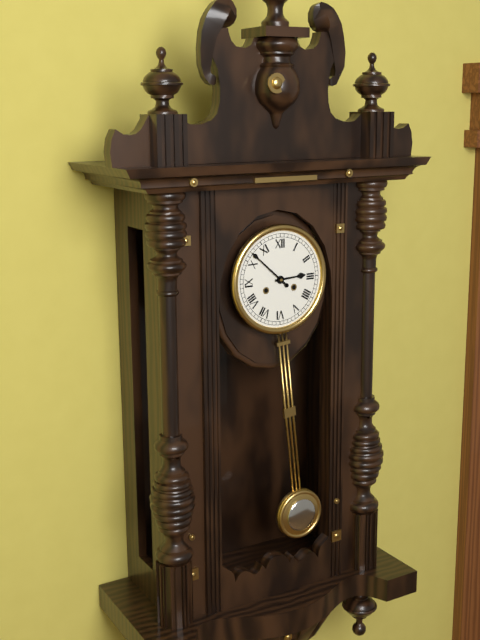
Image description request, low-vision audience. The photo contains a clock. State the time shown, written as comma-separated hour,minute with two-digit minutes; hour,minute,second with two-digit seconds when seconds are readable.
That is 2,52
